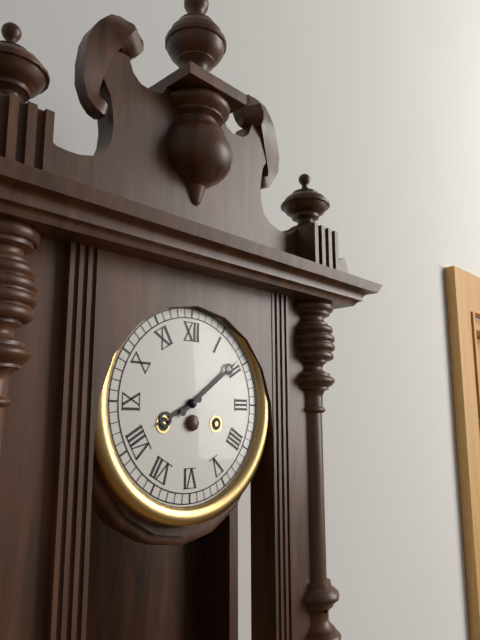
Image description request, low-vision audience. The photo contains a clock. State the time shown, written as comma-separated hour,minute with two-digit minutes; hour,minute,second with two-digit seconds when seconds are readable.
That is 8,09
